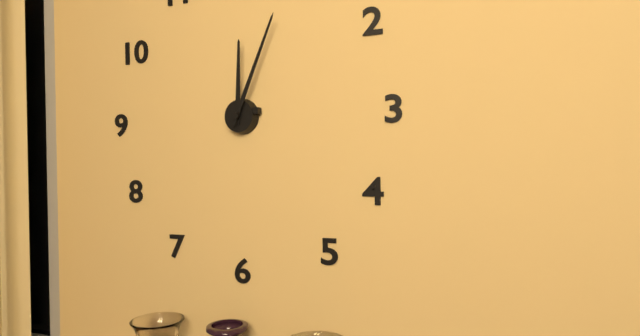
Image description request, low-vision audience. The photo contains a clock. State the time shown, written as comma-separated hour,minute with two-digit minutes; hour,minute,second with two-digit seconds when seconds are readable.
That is 12,04
